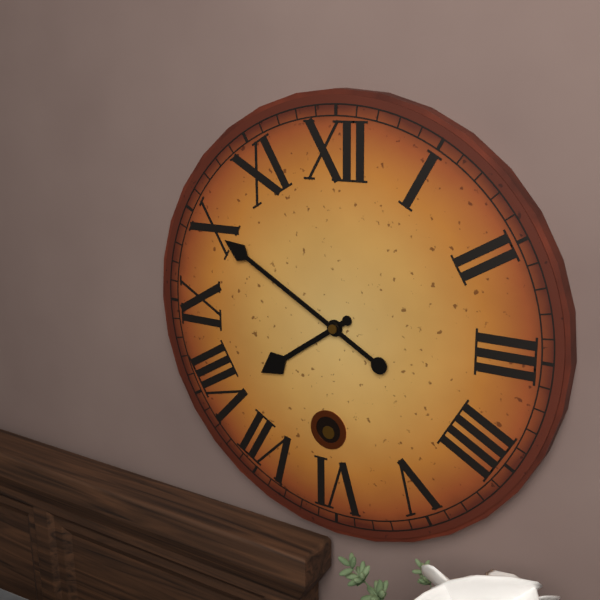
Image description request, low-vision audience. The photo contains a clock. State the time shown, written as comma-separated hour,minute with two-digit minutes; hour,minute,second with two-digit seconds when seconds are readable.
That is 7,50
